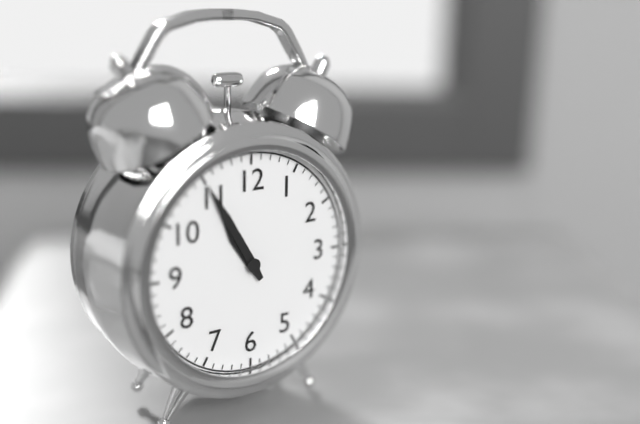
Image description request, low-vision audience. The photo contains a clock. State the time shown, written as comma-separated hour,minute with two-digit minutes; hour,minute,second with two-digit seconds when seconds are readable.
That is 10,55
